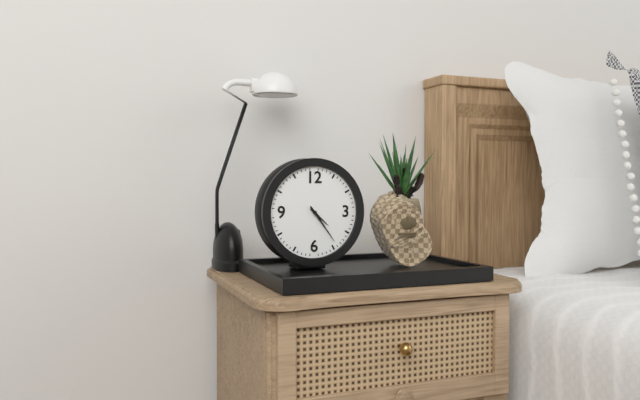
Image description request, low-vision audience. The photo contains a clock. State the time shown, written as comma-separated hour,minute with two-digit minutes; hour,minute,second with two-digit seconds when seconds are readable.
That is 4,24
